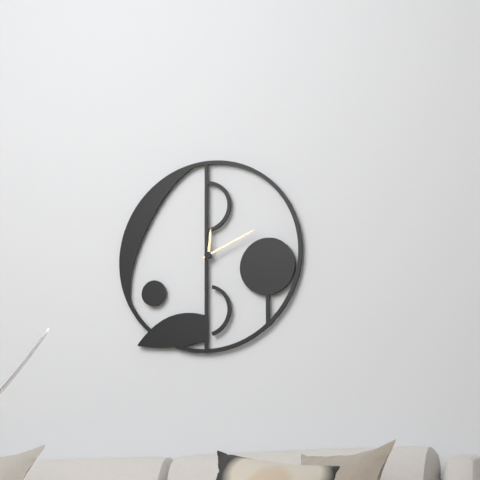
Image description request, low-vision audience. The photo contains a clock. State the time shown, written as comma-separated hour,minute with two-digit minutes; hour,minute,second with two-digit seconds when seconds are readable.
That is 12,11
